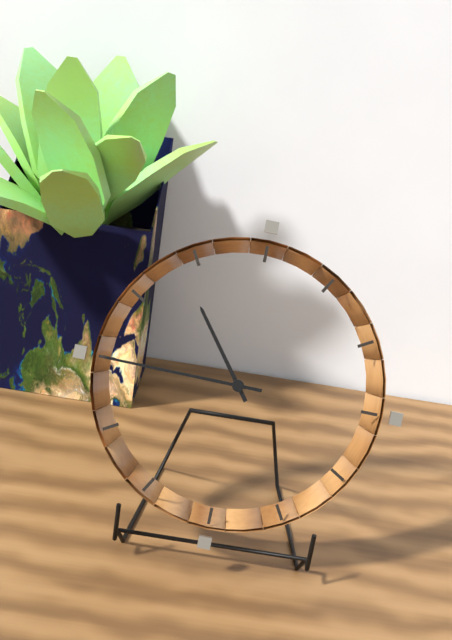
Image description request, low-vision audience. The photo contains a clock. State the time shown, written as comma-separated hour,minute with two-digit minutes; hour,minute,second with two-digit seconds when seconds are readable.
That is 10,45
